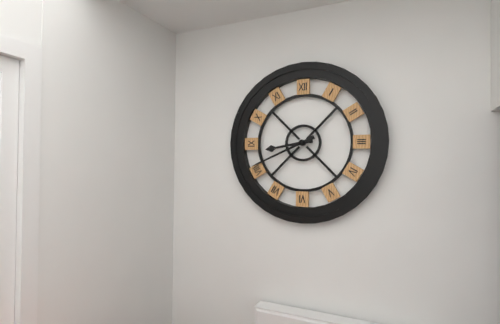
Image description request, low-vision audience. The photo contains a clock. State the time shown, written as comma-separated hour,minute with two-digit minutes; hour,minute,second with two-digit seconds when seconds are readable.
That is 8,41
